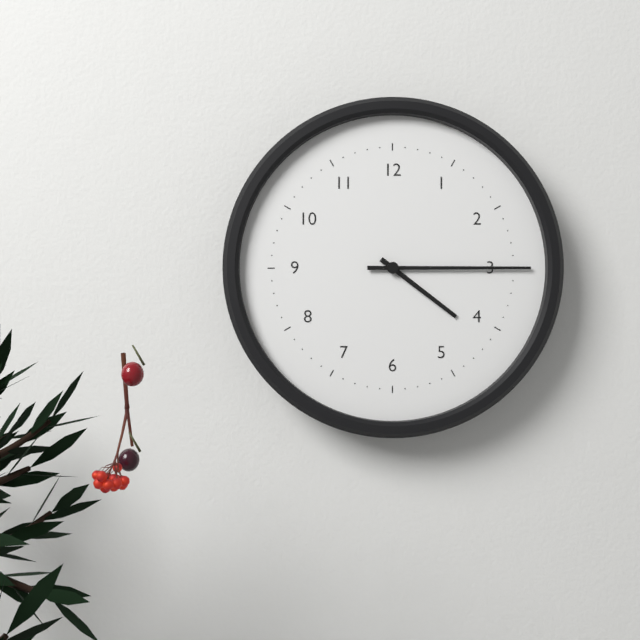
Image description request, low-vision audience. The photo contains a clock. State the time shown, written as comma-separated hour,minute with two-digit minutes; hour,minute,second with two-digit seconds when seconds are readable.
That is 4,15
